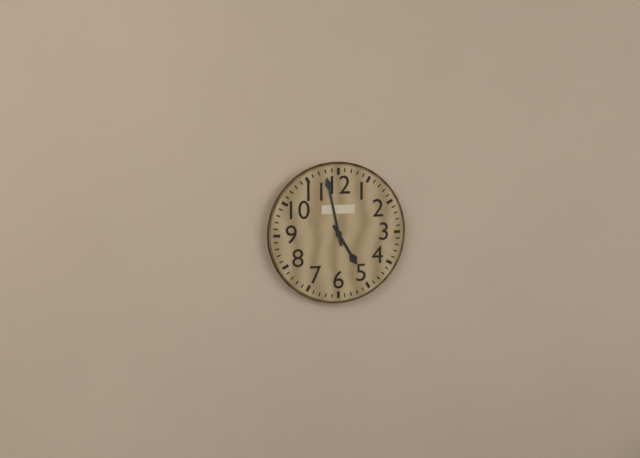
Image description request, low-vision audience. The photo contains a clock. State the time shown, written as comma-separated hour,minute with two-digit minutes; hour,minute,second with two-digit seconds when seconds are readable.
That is 4,58
